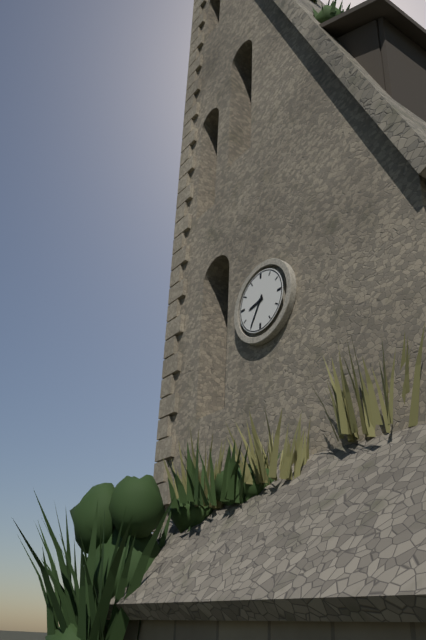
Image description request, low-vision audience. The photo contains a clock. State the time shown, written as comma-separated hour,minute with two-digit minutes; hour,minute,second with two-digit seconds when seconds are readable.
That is 8,35
